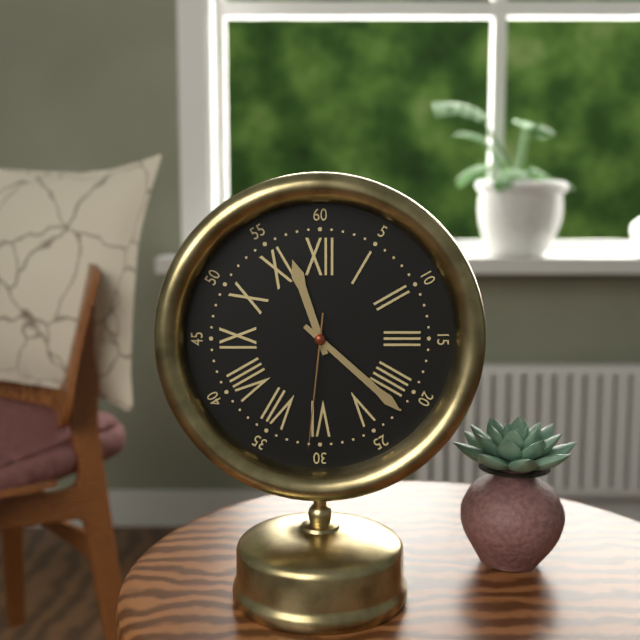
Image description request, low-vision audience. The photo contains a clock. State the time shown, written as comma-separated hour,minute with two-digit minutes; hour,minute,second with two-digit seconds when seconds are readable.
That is 11,22,31
